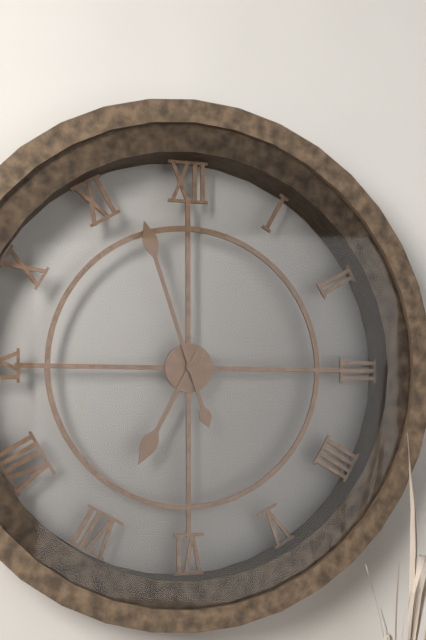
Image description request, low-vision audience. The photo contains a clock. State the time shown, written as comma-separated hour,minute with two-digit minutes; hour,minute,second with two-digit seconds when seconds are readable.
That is 6,57
